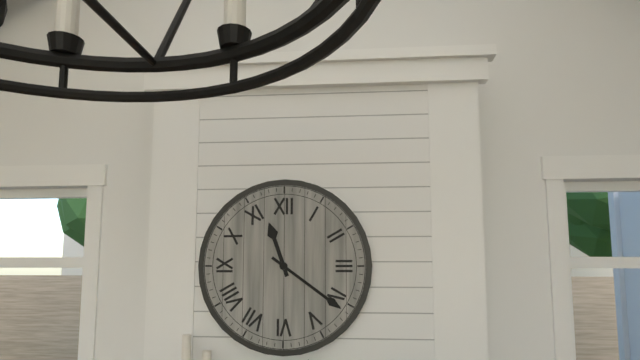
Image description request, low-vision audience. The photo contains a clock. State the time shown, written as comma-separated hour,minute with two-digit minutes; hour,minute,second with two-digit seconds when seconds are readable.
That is 11,21
